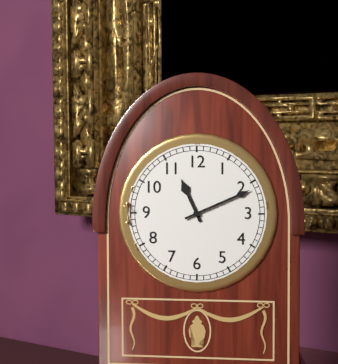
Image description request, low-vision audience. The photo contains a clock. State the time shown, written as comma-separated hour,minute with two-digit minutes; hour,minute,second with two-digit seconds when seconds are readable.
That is 11,11
